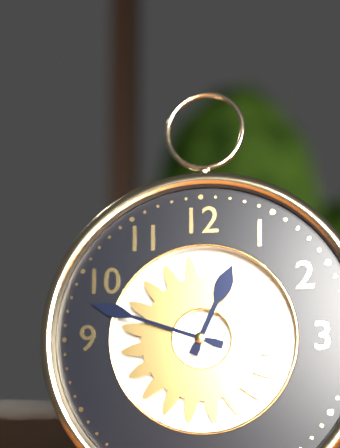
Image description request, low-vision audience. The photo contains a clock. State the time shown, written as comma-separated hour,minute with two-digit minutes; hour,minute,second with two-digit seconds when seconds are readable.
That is 12,48
